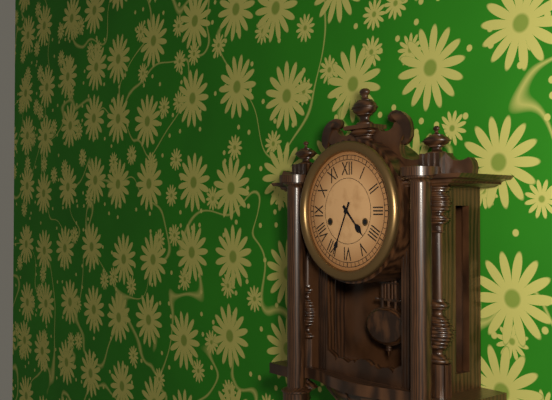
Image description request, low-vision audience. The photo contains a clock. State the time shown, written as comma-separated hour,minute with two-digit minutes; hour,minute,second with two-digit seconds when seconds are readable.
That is 4,34
